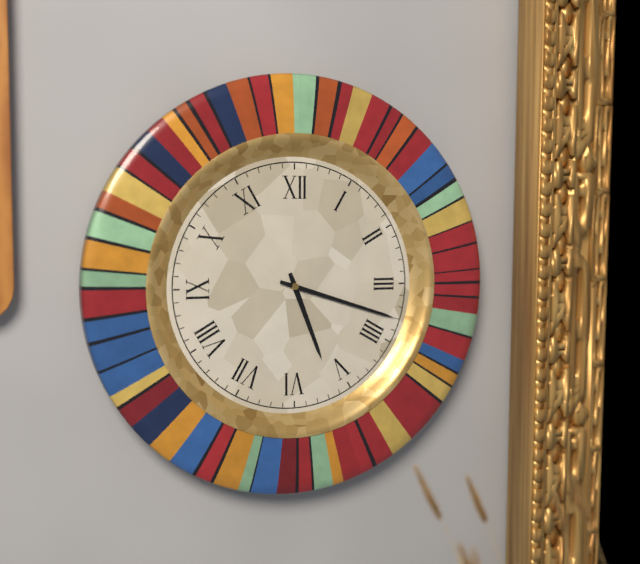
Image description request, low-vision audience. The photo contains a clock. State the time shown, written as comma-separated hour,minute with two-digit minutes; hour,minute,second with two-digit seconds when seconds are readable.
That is 5,18
